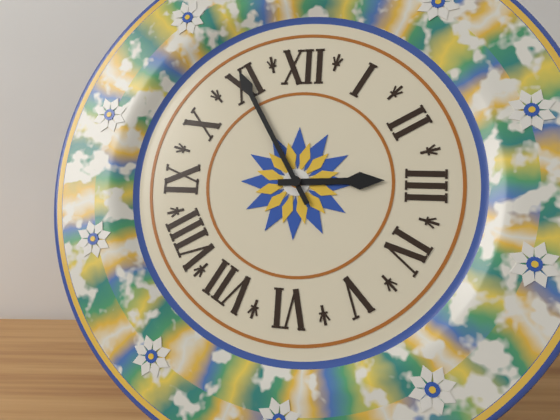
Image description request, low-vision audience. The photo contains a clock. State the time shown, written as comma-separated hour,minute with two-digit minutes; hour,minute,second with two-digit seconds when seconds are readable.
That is 2,55
